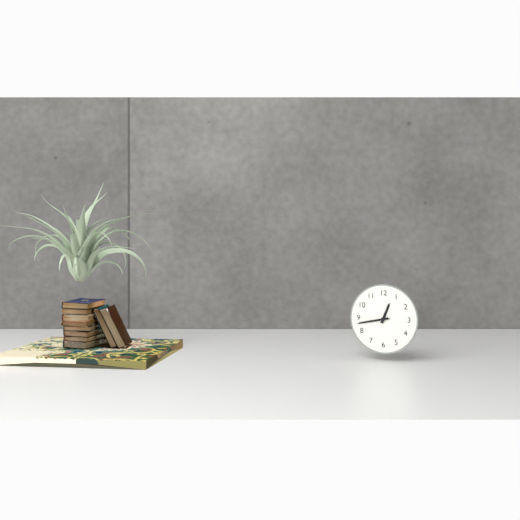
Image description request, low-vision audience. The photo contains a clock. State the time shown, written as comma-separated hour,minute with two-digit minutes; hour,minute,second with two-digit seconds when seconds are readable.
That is 12,43
